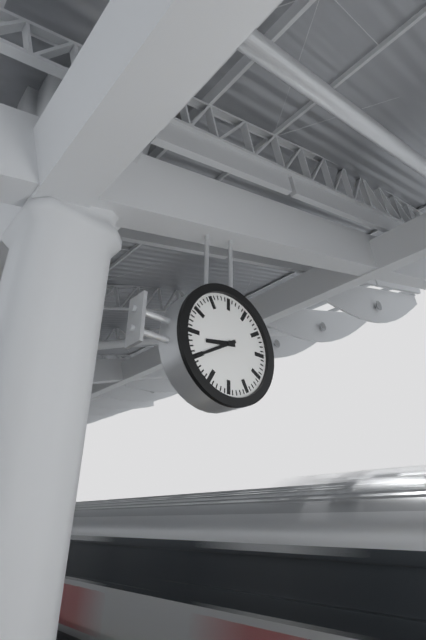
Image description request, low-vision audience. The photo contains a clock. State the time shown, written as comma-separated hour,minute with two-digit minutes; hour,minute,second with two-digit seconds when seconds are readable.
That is 8,40
